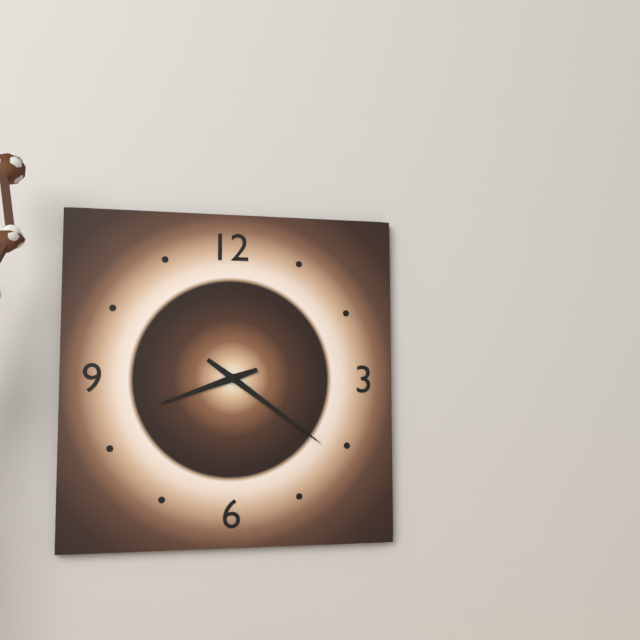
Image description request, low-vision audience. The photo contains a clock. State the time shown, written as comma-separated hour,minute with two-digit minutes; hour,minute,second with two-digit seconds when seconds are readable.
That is 8,21
